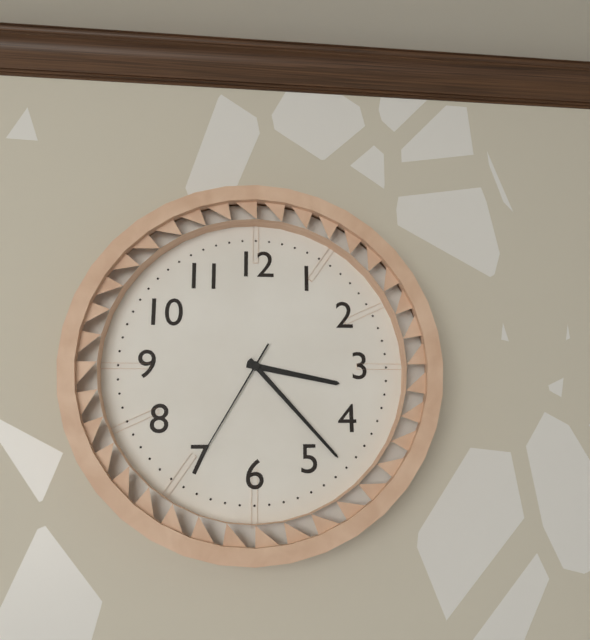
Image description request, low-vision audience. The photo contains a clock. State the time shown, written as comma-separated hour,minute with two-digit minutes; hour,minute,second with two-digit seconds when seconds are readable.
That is 3,23,35
